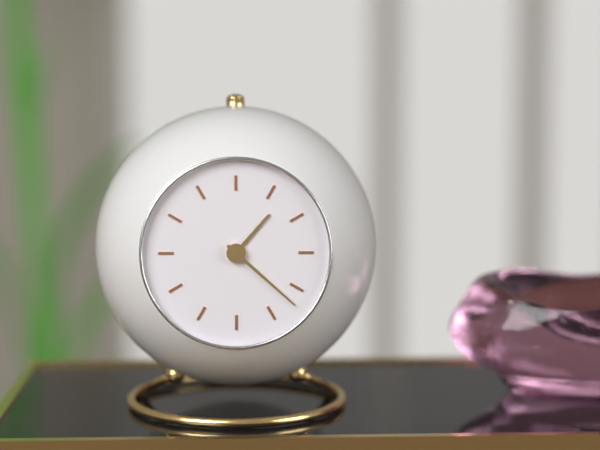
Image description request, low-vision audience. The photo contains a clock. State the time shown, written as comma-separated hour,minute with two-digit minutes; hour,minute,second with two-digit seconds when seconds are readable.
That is 1,22
